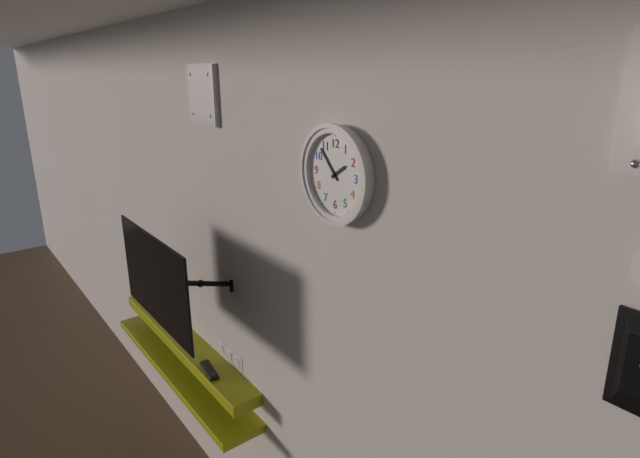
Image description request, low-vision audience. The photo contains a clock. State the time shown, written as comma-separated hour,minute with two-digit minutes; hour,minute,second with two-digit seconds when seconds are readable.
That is 1,53
